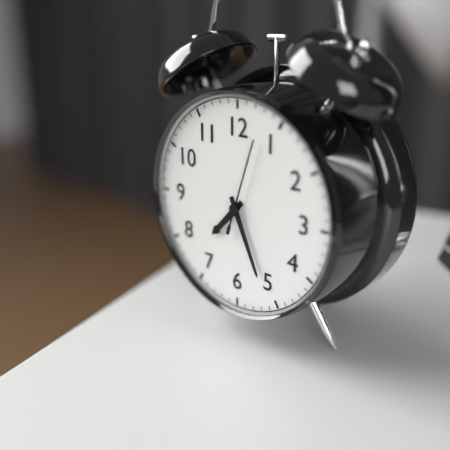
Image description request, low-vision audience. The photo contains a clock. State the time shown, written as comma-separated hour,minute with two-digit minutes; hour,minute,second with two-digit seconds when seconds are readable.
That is 7,26,03
